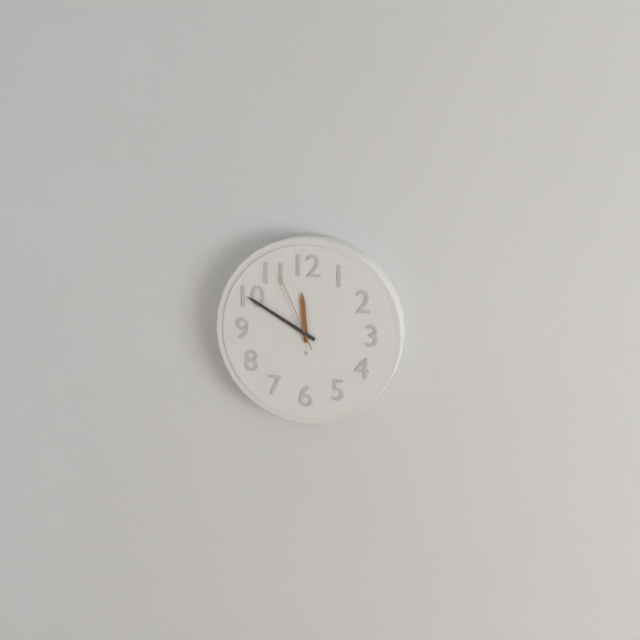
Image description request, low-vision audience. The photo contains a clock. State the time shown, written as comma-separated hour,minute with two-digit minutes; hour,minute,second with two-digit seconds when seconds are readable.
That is 11,50,56
